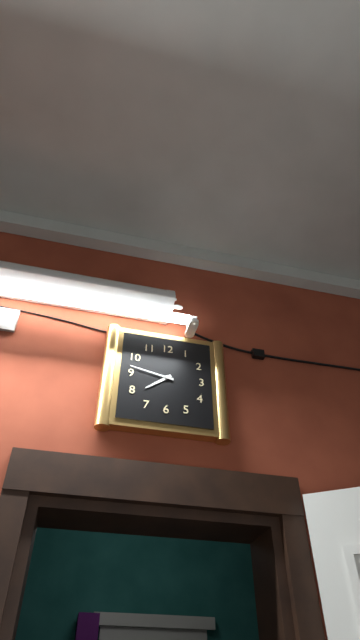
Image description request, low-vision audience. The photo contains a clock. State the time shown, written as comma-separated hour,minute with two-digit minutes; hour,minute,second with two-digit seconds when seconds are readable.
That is 7,47
